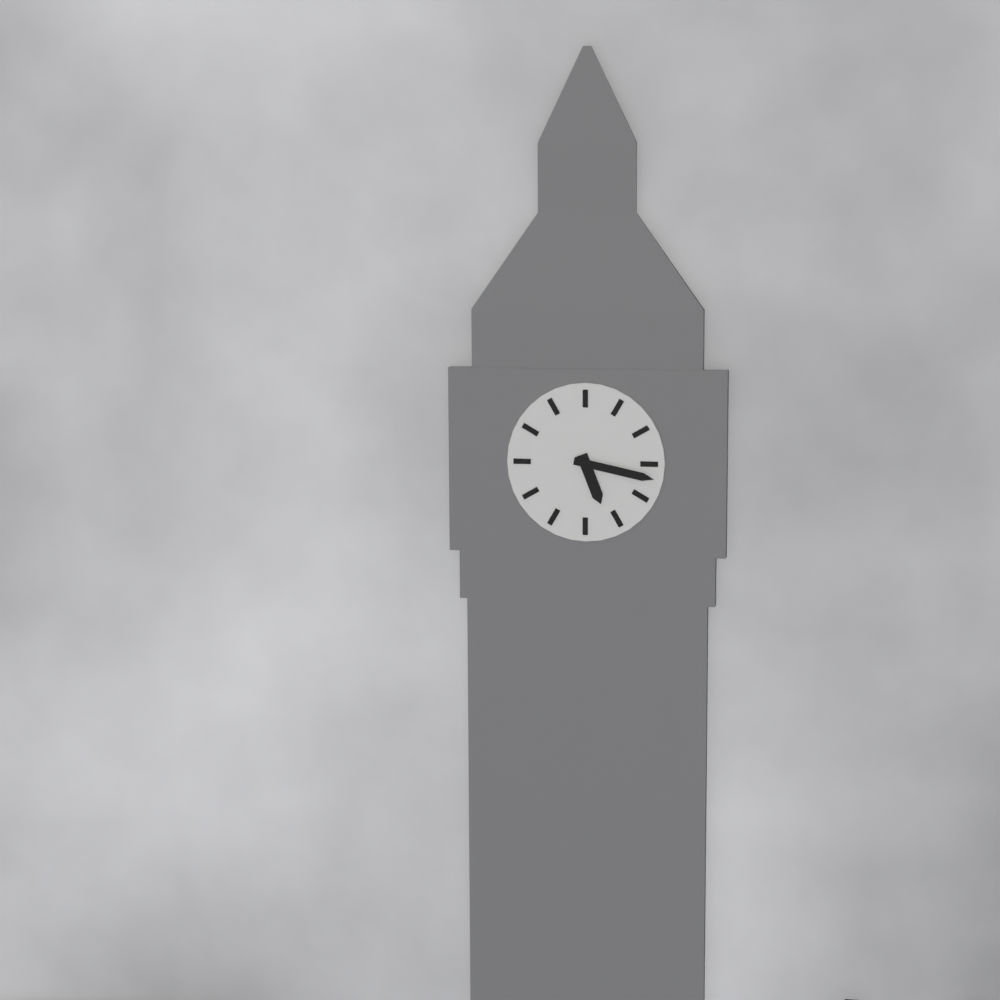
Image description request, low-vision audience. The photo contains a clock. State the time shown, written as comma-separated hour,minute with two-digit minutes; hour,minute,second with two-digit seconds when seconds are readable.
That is 5,17
